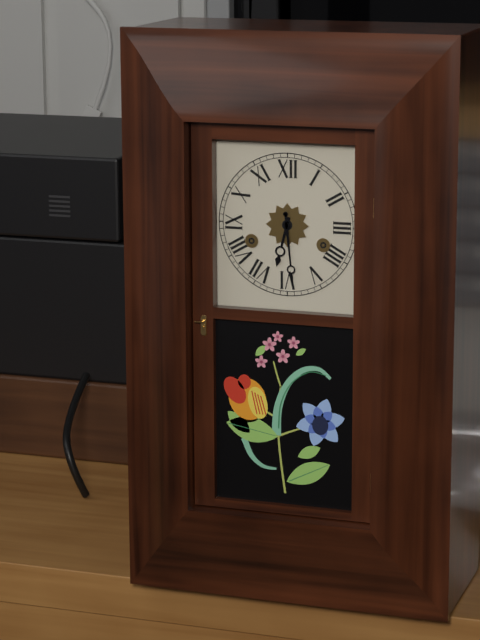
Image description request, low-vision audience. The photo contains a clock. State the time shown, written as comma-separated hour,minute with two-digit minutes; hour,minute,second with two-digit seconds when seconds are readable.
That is 6,29
